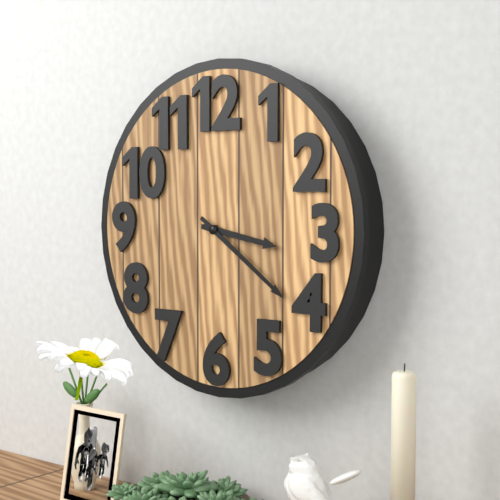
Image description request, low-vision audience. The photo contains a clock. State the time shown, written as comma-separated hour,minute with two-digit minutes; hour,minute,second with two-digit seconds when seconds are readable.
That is 3,21
